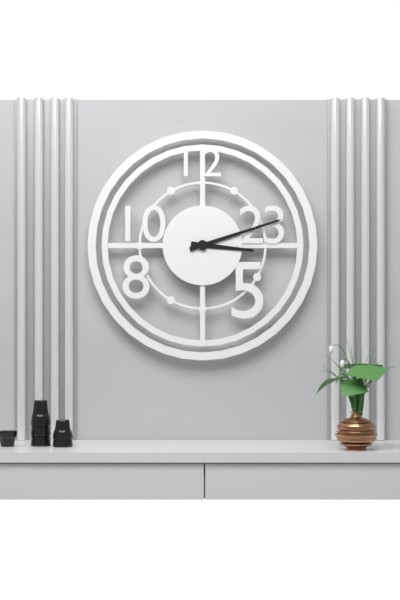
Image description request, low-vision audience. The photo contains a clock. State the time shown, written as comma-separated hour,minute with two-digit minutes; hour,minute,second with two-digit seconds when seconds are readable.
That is 3,12
